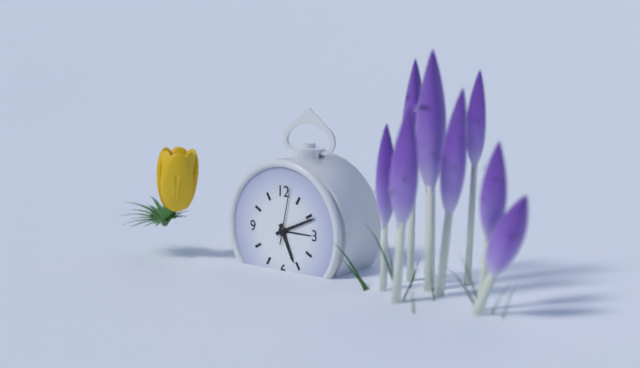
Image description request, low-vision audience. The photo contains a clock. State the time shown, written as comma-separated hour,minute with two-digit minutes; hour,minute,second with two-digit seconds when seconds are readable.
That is 5,11,02
